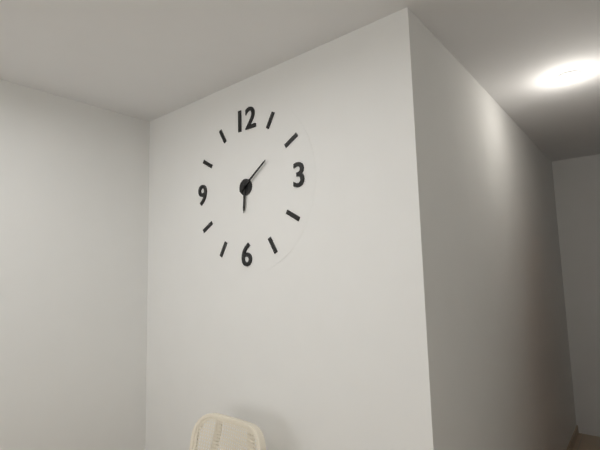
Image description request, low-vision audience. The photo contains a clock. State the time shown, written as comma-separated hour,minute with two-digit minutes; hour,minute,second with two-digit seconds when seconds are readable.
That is 6,09
